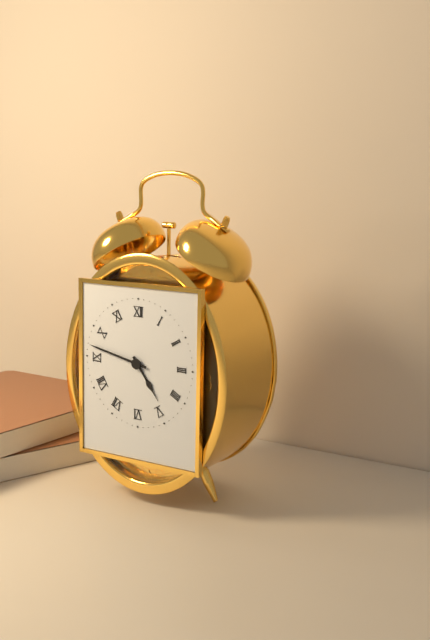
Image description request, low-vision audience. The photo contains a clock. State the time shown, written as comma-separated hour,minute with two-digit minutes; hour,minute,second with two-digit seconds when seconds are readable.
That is 4,47
